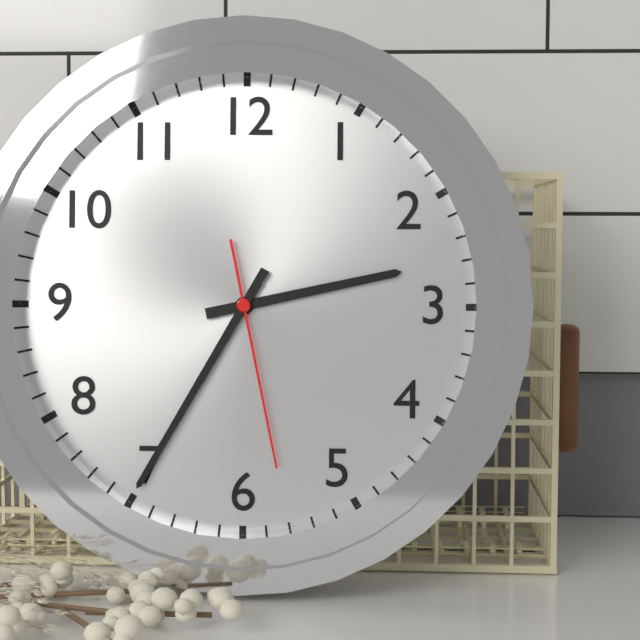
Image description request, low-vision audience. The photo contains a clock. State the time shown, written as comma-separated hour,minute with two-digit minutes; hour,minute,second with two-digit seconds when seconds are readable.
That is 2,35,28
